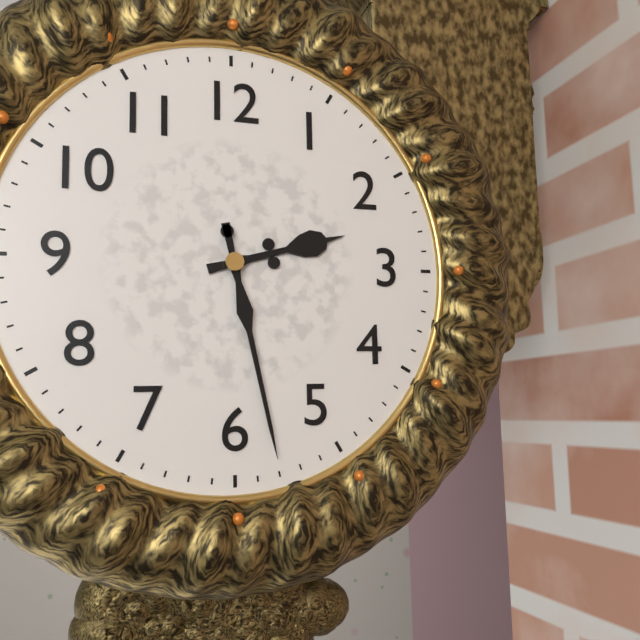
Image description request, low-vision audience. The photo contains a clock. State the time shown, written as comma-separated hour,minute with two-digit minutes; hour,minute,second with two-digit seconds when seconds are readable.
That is 2,28
